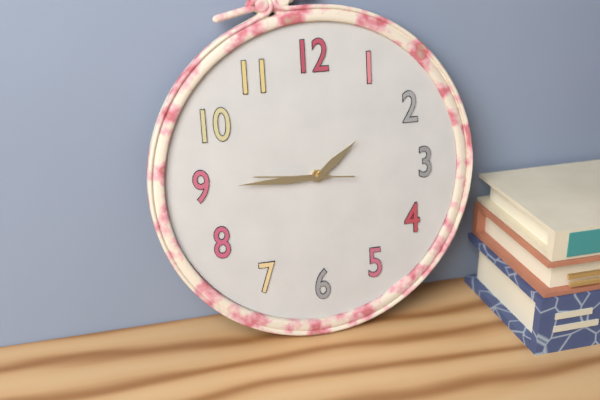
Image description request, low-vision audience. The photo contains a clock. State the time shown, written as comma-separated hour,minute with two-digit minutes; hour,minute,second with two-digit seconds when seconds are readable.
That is 1,45,46
